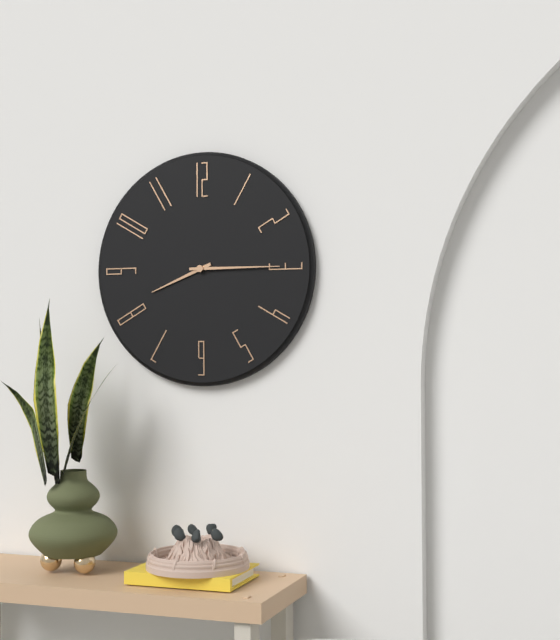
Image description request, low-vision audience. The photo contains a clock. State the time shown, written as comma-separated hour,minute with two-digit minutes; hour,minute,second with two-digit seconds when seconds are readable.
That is 8,15
